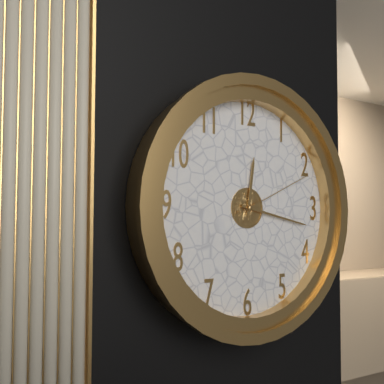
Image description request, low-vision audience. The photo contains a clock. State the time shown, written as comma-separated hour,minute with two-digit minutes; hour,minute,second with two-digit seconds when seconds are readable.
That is 12,17,11
